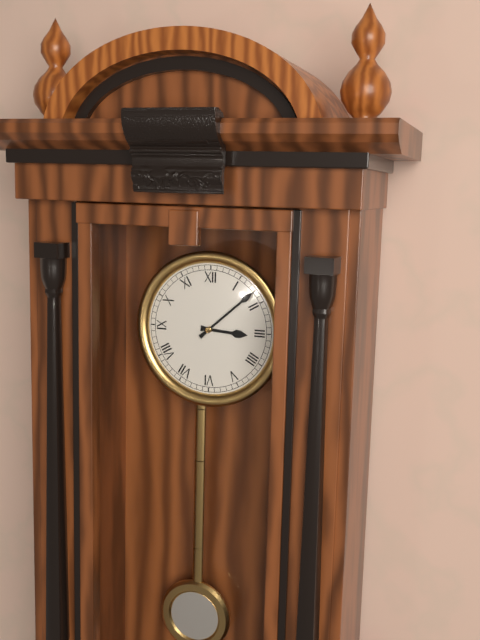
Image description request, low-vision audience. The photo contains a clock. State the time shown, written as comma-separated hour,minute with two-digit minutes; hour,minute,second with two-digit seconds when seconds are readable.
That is 3,08
